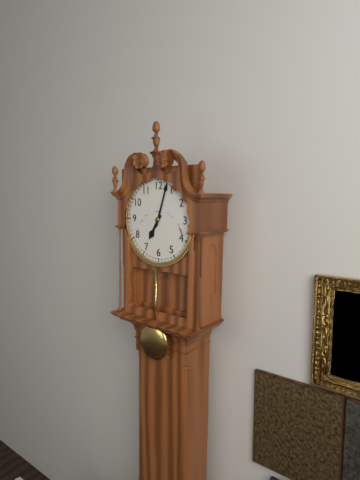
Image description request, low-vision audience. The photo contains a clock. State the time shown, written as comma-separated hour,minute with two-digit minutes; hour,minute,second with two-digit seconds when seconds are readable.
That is 7,03
